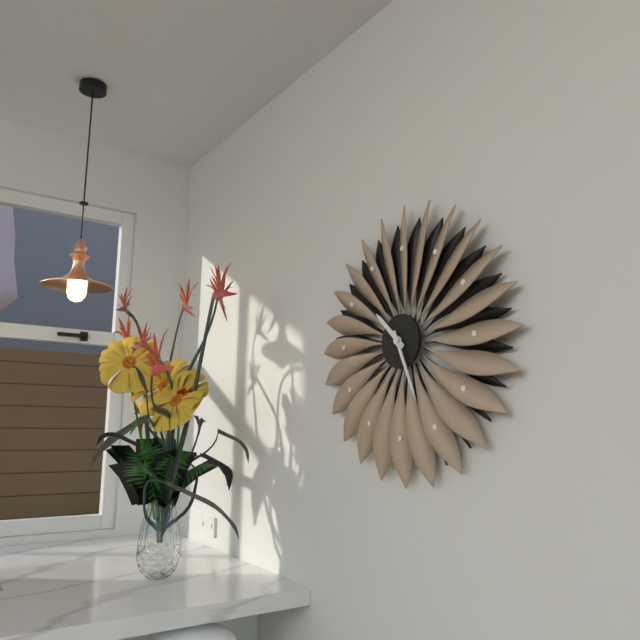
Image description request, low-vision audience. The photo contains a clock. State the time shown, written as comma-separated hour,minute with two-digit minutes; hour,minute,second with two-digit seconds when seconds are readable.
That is 10,26
